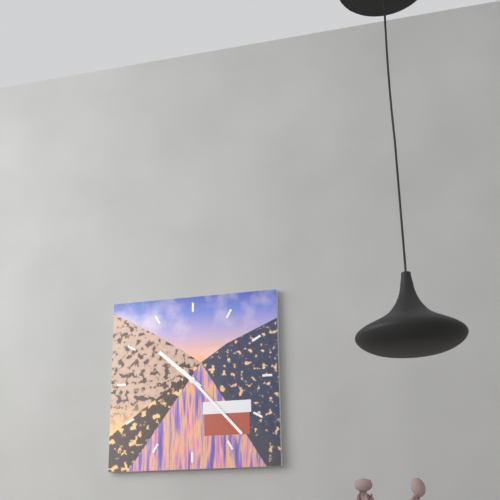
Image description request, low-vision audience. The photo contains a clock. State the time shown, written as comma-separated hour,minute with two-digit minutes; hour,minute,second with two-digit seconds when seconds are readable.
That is 10,23
